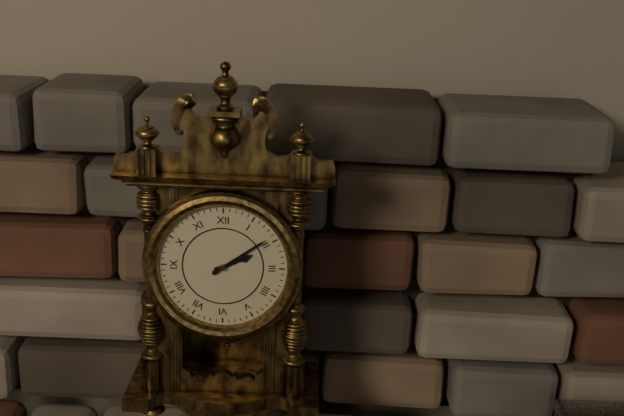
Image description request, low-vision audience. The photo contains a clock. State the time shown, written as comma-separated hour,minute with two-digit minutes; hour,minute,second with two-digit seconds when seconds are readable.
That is 2,09
